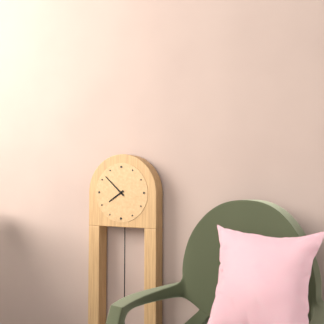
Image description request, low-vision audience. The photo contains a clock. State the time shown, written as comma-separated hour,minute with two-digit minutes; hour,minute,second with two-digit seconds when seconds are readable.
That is 7,52
